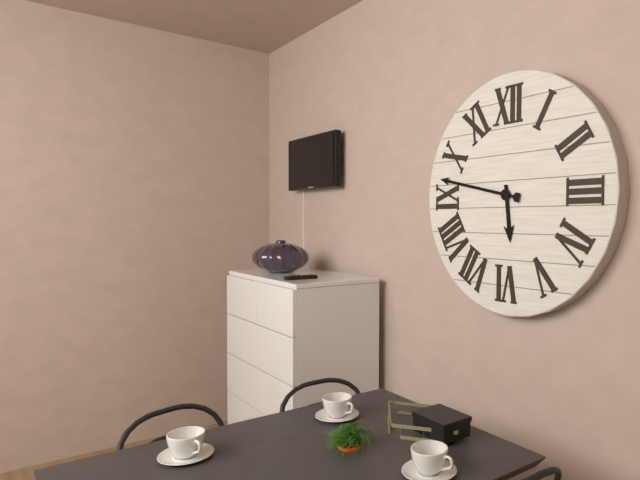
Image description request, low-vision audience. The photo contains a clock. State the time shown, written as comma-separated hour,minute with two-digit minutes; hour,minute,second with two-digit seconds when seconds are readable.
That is 5,47
